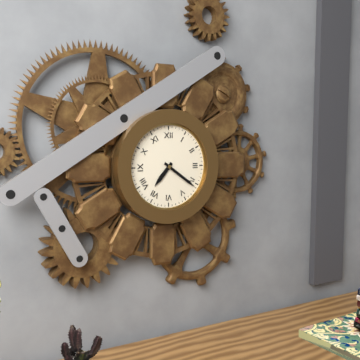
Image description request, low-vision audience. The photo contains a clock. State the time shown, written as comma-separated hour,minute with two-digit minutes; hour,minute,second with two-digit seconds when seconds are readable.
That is 7,21
